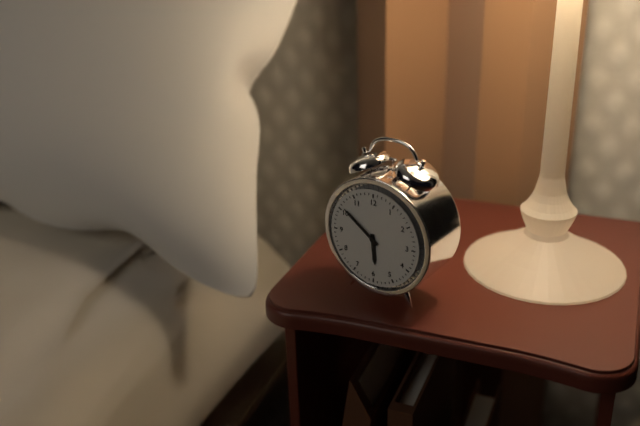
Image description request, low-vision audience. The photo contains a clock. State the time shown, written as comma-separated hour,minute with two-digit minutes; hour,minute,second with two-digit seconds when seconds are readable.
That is 5,51
